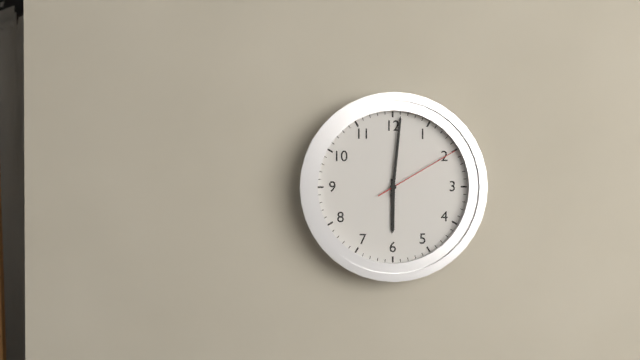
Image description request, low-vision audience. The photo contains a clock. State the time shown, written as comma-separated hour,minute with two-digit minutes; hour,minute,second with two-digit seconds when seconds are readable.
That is 6,01,10
